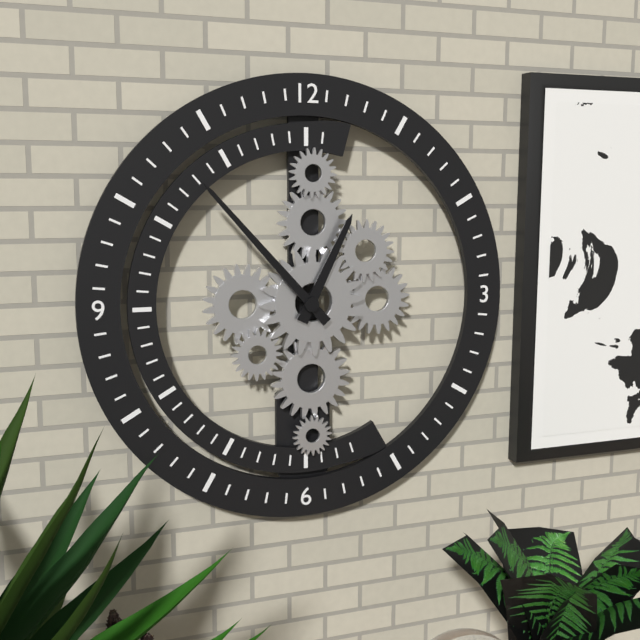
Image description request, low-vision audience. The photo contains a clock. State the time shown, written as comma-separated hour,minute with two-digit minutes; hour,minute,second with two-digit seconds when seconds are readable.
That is 12,53
